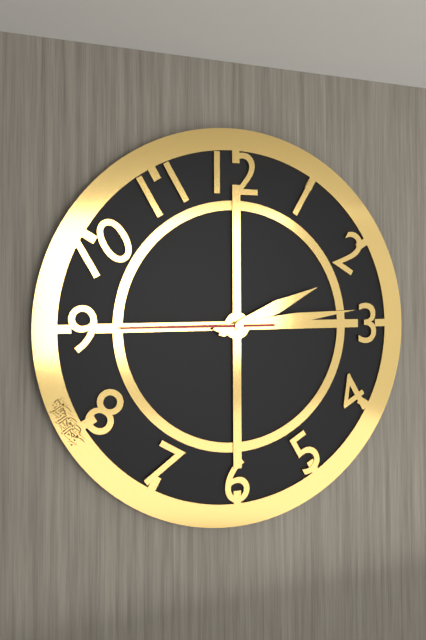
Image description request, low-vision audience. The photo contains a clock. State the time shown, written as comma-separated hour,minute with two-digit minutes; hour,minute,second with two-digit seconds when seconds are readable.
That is 2,14,45
